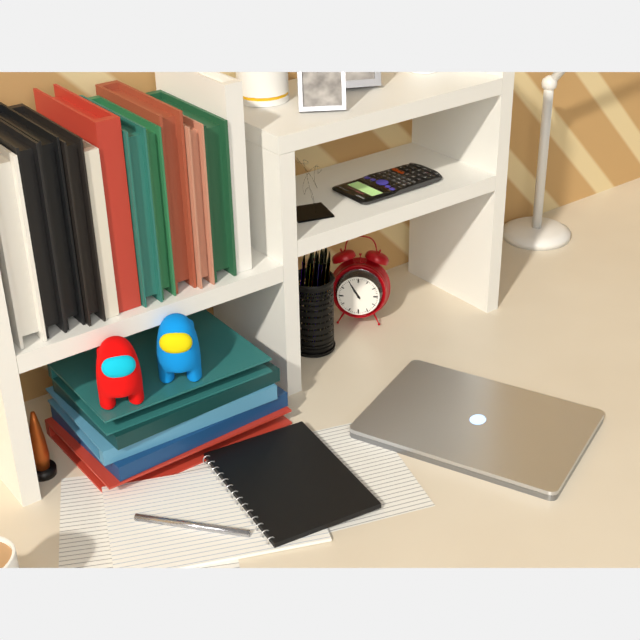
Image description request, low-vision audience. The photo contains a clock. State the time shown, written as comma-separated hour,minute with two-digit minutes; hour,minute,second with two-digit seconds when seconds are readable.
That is 10,55
